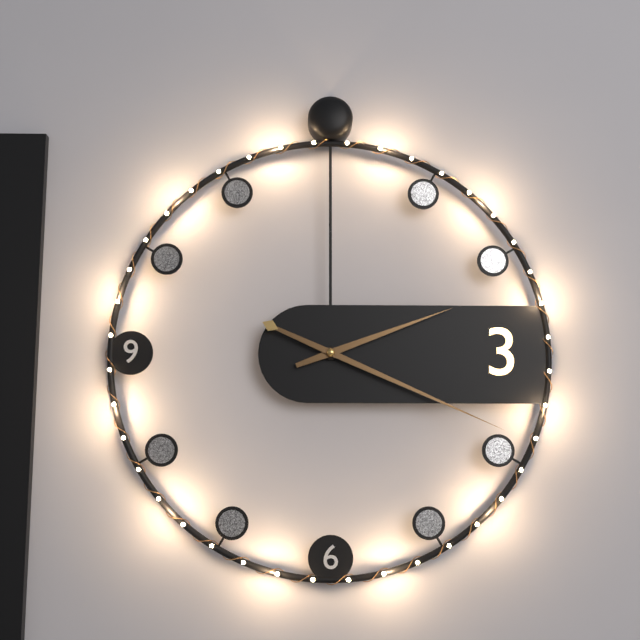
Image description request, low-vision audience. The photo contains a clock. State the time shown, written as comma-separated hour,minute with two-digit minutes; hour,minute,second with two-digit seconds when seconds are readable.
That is 2,19
